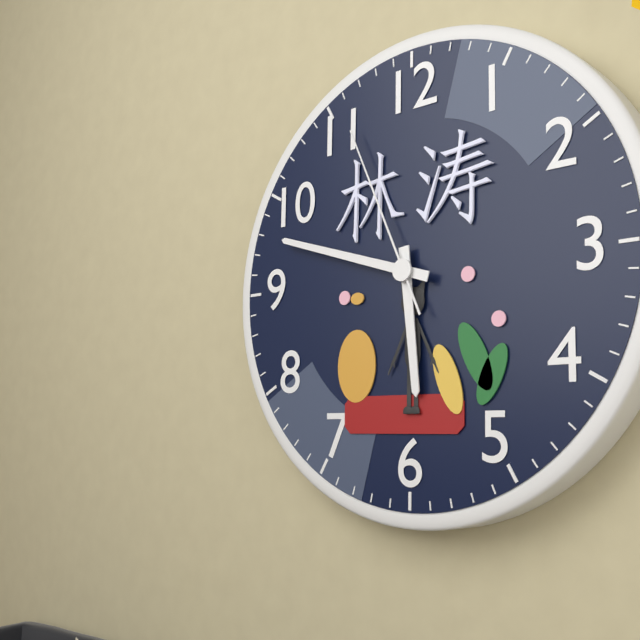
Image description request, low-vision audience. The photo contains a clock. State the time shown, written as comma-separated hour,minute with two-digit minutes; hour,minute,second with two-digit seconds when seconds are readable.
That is 5,48,56
